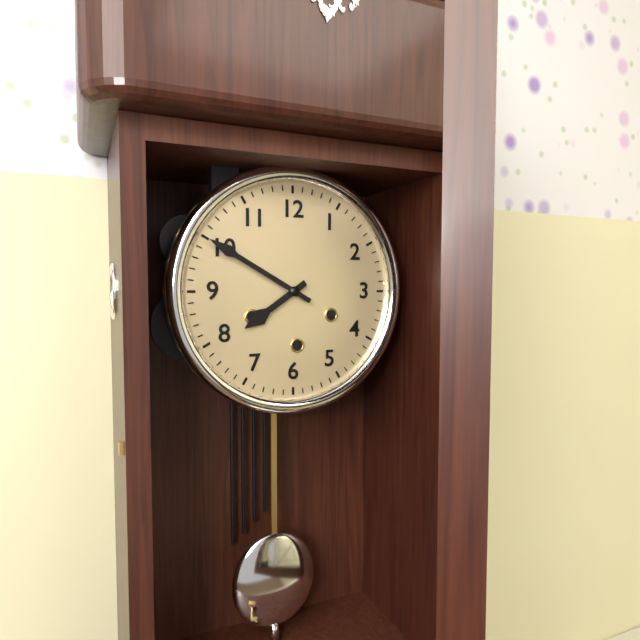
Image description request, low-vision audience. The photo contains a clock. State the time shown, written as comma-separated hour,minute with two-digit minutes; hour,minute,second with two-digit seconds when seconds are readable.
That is 7,50
